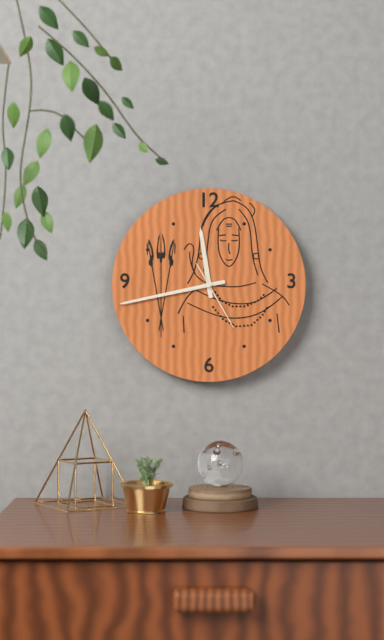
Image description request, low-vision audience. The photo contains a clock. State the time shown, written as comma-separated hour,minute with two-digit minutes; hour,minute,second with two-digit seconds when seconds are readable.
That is 11,43,25
